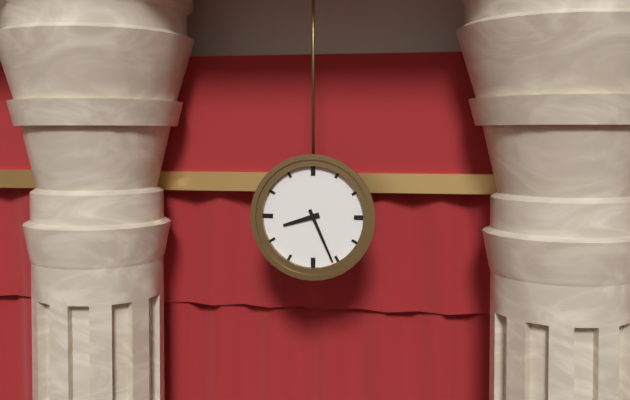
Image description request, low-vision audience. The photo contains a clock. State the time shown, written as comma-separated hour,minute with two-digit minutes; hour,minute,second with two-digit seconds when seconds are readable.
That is 8,26
